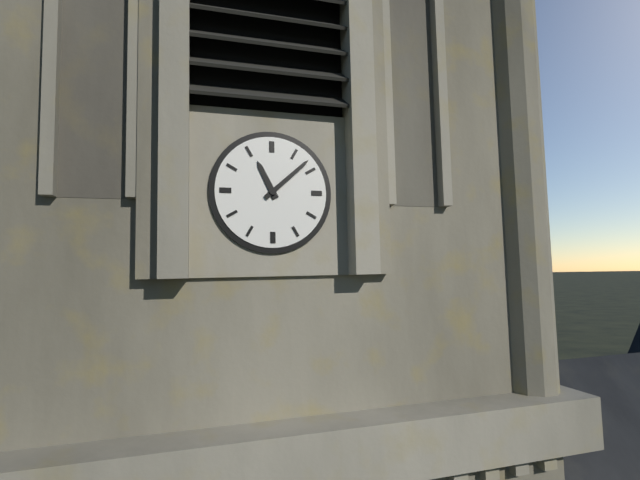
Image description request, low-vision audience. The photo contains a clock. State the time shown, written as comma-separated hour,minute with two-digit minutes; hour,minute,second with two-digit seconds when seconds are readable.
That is 11,08
